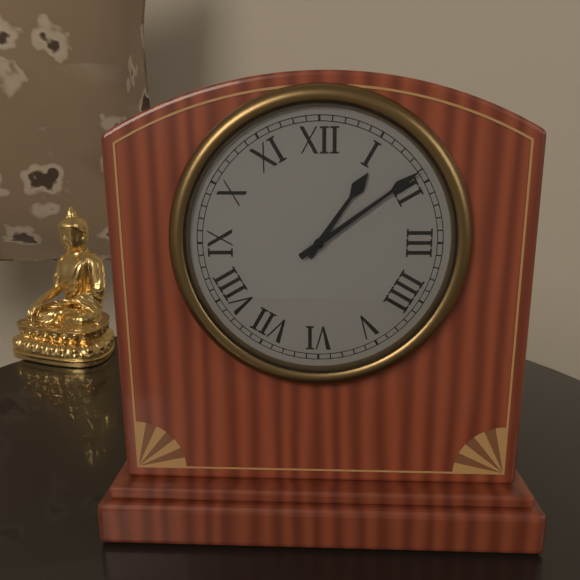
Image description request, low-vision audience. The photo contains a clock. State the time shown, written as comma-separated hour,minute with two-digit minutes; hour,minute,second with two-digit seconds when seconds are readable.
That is 1,09
